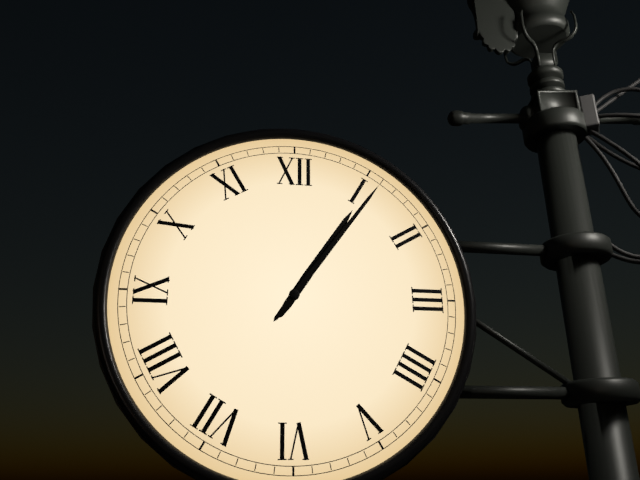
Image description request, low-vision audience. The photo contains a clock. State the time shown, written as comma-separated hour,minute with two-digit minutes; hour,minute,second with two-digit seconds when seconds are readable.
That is 1,06
